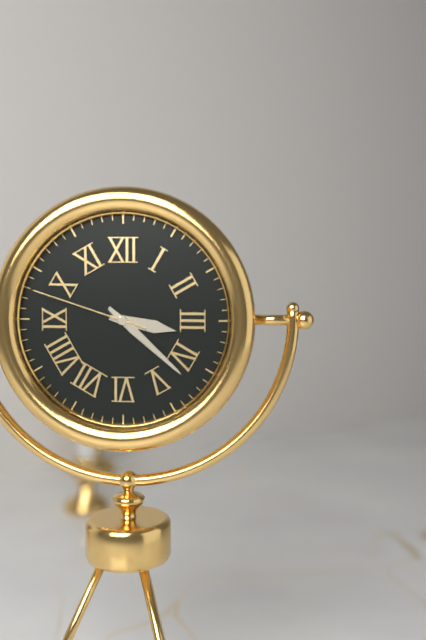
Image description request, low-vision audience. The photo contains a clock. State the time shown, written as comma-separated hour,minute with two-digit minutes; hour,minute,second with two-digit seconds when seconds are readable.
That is 3,22,48
